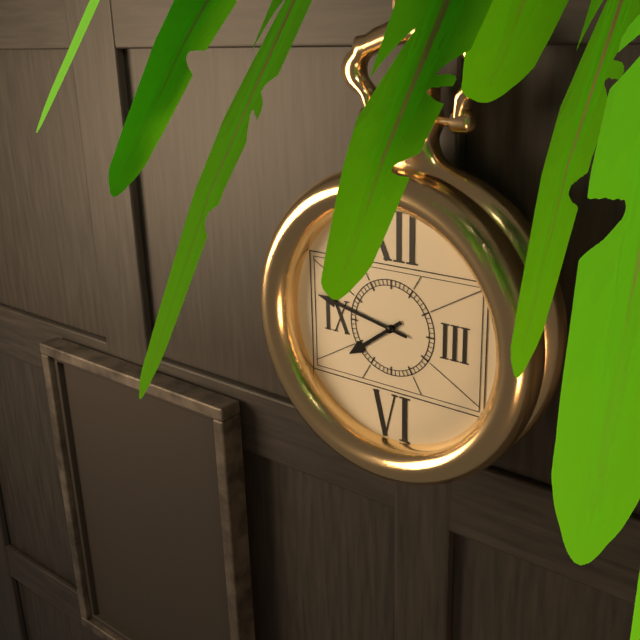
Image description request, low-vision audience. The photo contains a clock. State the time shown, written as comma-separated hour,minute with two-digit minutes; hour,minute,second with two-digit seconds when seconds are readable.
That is 7,47
